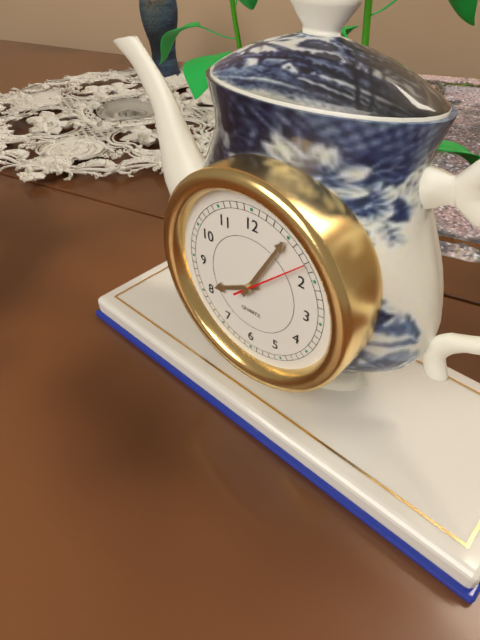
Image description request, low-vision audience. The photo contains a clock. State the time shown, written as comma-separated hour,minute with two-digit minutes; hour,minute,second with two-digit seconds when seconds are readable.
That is 8,05,08
